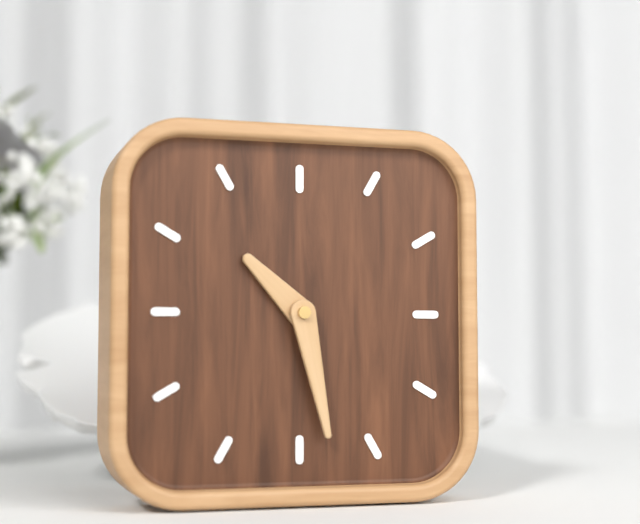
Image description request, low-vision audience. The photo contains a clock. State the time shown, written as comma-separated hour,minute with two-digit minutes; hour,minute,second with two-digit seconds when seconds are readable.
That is 10,28
